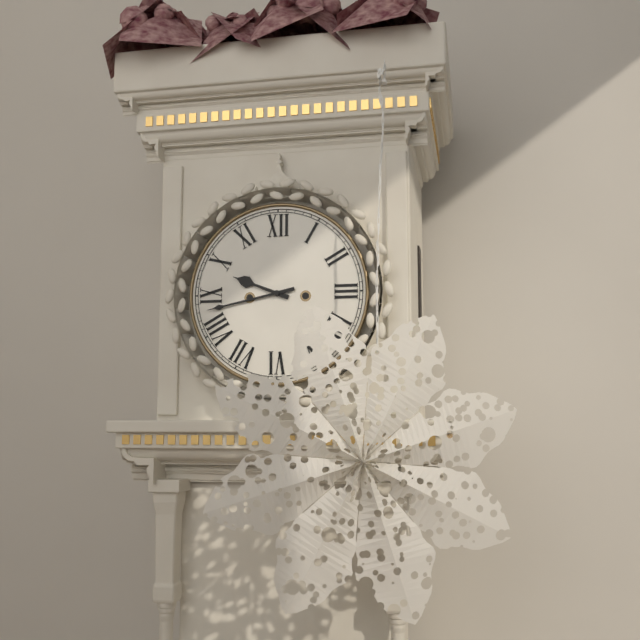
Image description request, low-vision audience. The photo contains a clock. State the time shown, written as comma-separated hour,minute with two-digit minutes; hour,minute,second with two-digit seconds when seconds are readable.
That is 9,43
